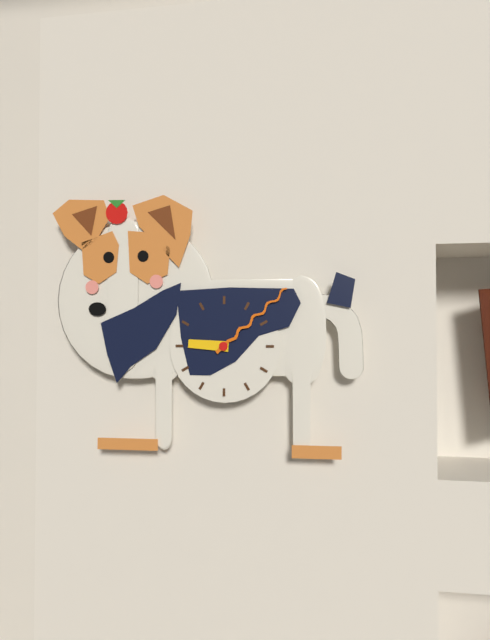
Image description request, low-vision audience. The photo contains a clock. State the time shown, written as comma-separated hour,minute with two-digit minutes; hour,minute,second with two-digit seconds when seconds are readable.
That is 9,08
